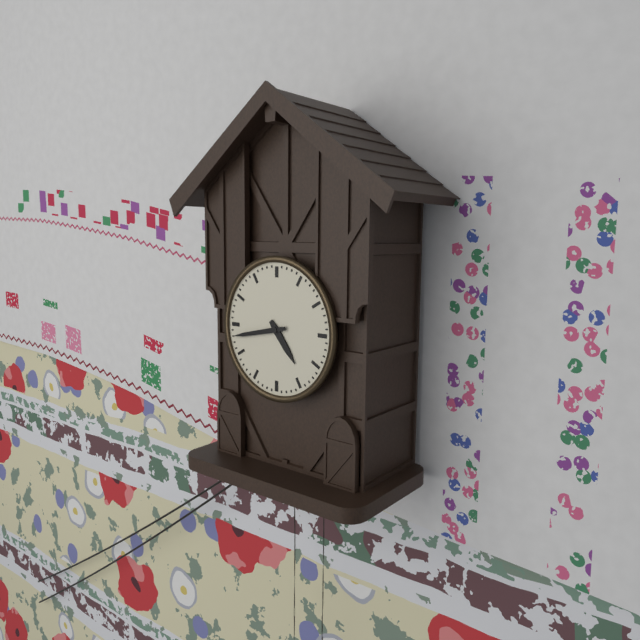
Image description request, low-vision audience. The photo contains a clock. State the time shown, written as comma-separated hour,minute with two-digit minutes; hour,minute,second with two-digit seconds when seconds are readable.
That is 4,43
